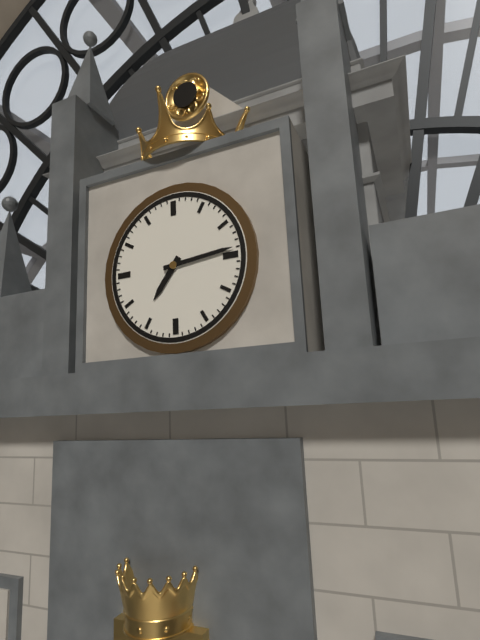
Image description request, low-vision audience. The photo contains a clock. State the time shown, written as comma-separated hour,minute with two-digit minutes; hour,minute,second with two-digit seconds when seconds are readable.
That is 7,14
